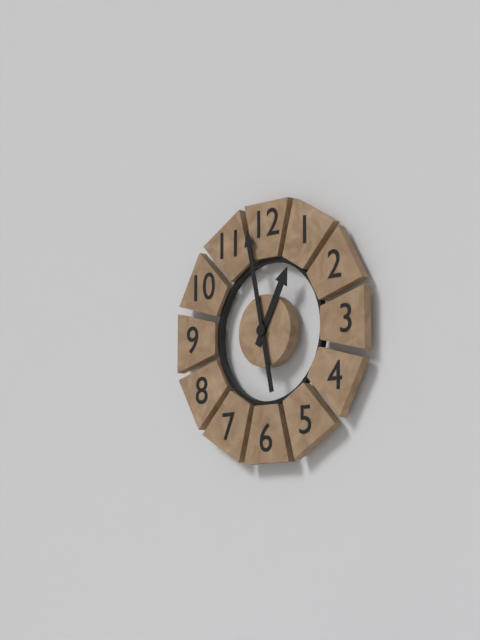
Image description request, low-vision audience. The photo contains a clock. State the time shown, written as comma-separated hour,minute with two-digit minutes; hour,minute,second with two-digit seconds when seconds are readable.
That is 12,58
